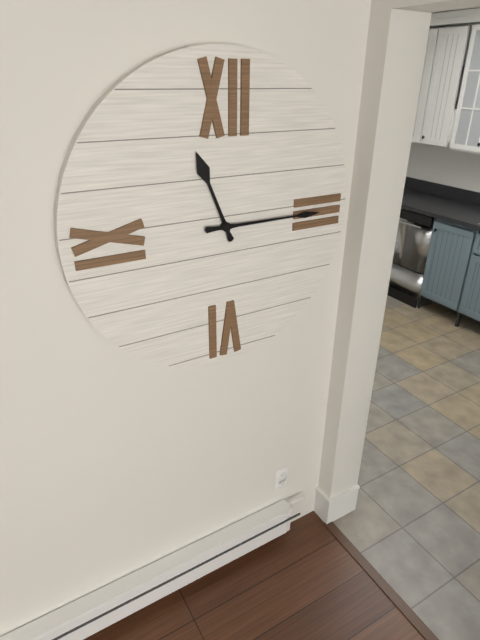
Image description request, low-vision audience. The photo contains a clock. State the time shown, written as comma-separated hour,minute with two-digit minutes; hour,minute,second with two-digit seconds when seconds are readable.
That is 11,15
